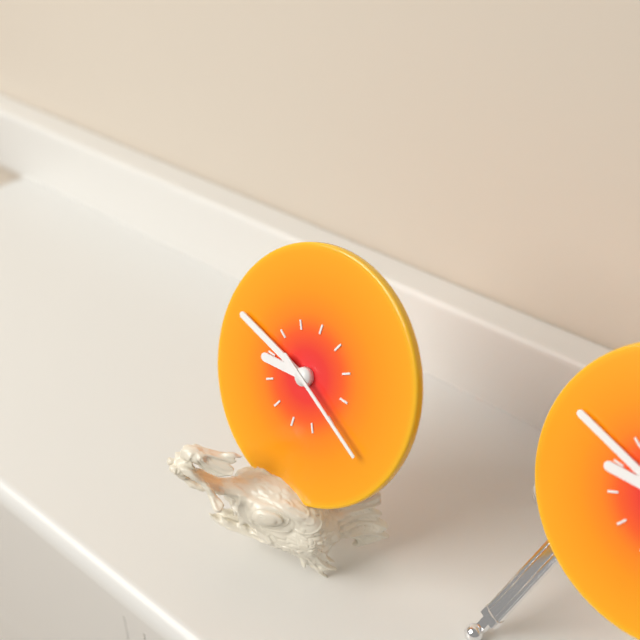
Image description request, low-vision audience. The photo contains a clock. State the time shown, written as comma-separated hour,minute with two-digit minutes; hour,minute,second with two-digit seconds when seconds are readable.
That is 8,47,19
